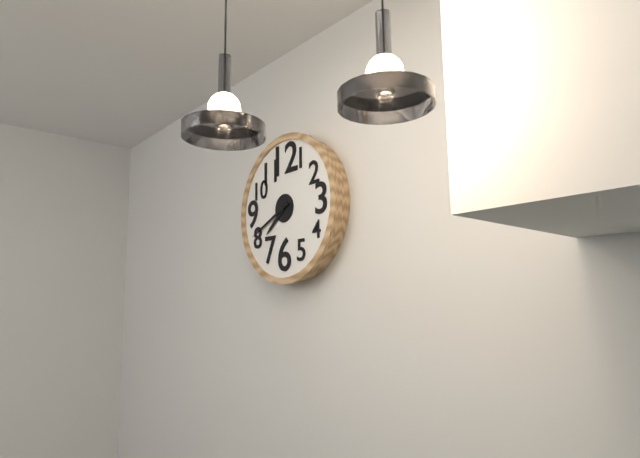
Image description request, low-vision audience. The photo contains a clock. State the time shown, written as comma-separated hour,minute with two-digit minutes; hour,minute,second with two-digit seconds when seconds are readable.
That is 7,41
